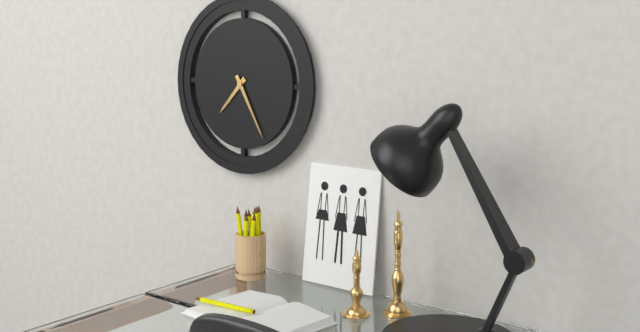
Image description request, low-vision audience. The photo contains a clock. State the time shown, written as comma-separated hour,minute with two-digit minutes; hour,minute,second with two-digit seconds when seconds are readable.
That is 7,25
